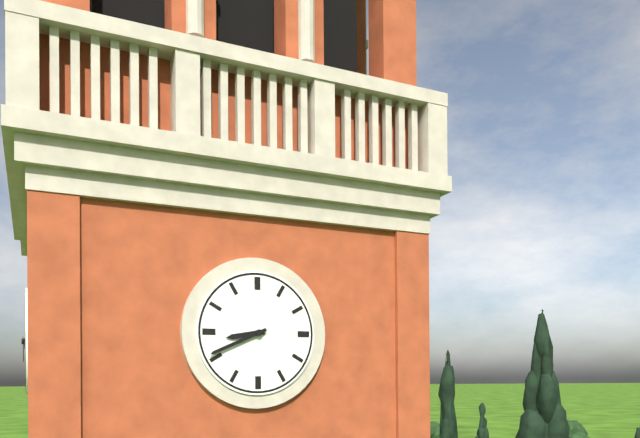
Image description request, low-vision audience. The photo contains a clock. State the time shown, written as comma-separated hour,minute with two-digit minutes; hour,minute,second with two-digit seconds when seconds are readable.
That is 8,41
